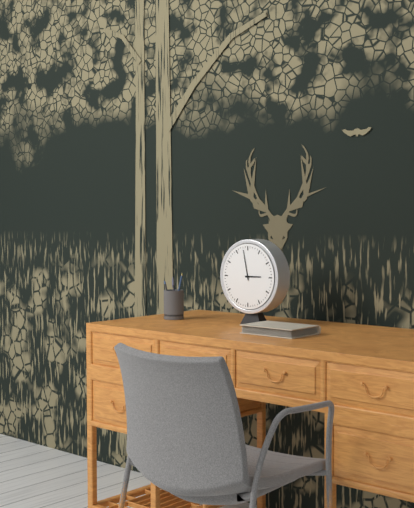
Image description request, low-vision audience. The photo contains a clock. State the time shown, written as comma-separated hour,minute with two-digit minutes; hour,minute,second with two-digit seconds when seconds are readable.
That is 2,58
